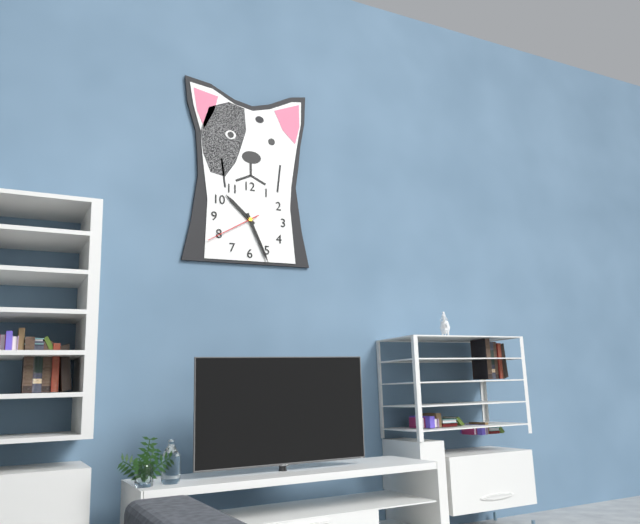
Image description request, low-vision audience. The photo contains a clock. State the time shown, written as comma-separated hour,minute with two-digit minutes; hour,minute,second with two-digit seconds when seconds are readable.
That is 10,26,40
